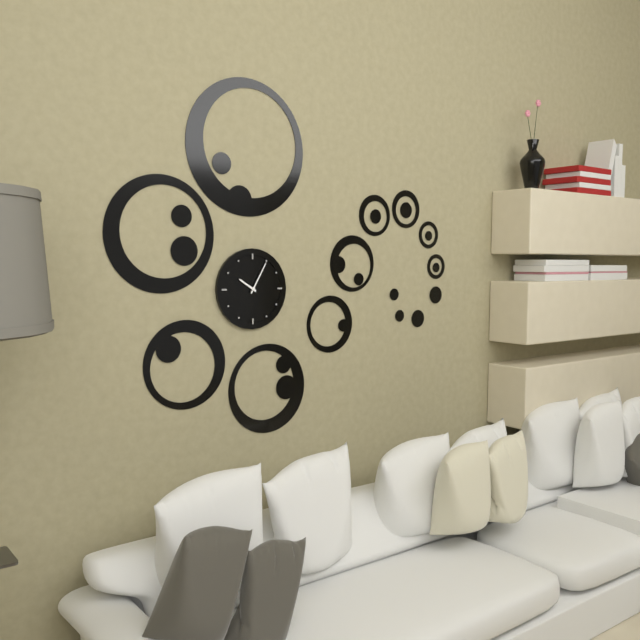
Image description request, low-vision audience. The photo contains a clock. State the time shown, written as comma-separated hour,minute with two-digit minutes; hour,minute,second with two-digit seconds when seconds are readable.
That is 10,05
